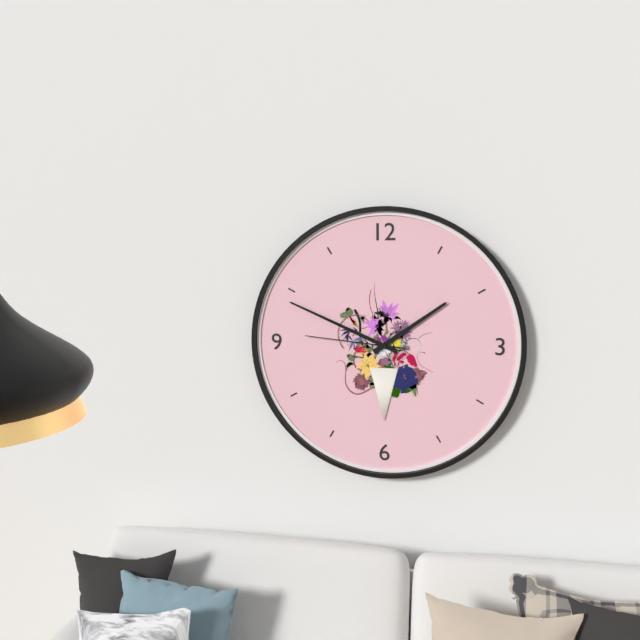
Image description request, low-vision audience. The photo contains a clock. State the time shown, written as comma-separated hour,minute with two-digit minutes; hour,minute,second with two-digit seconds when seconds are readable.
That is 1,49,46
